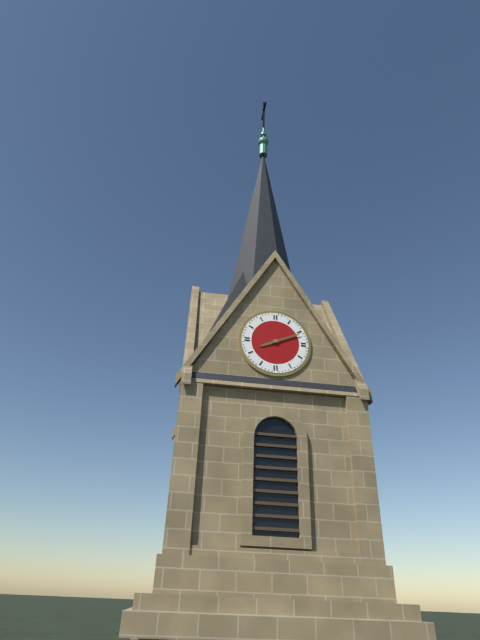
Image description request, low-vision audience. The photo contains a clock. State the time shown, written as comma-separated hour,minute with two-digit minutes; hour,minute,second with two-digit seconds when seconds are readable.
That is 8,11
